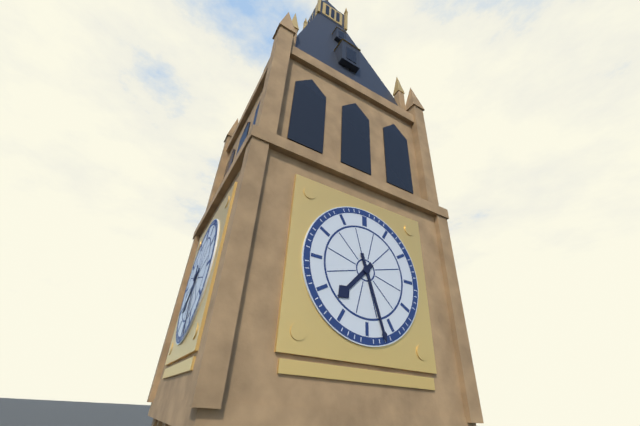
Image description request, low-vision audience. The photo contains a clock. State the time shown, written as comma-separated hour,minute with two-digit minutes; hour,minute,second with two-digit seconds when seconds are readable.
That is 7,27
